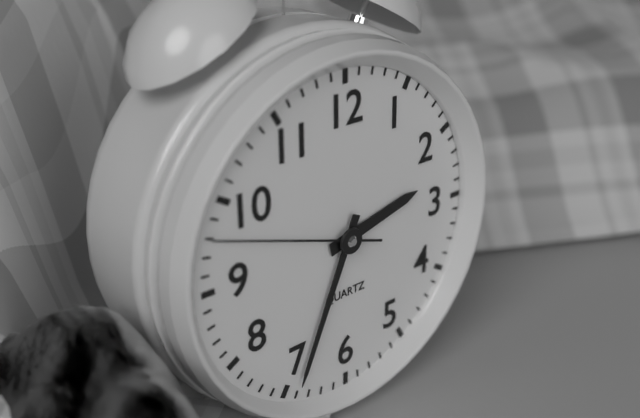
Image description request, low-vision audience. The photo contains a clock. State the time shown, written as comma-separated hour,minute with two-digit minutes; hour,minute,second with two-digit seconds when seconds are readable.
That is 2,34,48
